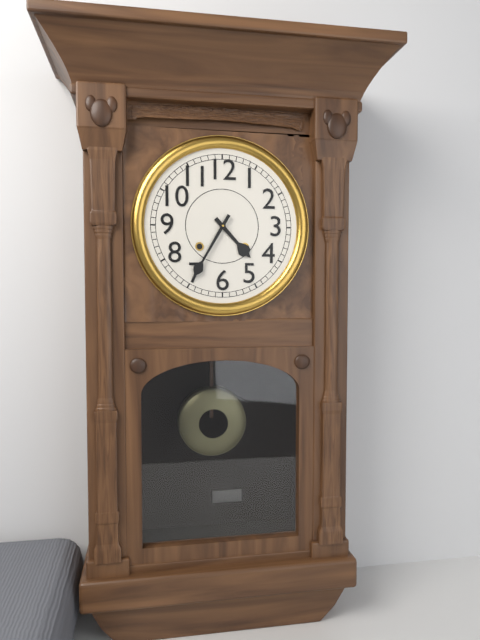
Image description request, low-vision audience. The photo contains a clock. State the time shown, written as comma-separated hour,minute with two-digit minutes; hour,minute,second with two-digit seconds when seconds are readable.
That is 4,35
